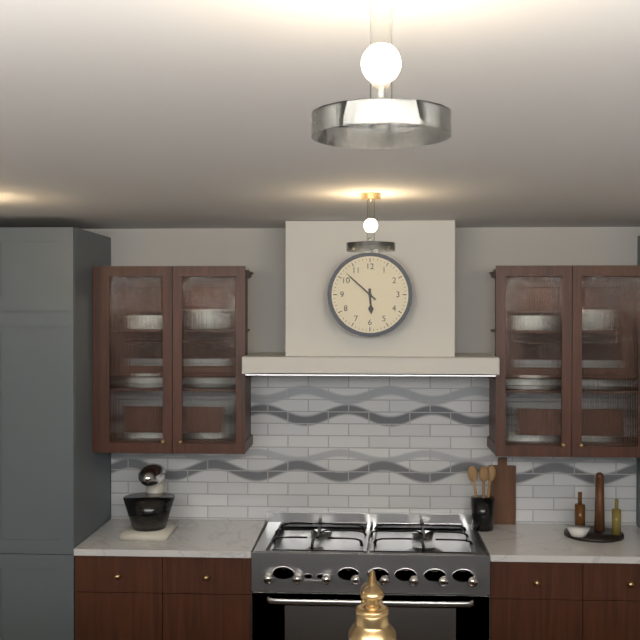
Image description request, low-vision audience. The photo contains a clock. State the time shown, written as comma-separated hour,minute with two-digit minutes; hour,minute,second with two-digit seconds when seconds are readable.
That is 5,52
